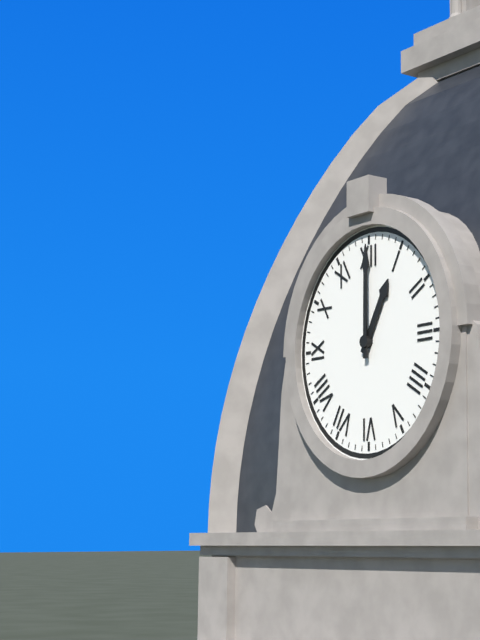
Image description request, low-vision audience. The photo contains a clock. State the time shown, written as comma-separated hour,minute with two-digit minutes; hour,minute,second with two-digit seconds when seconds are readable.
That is 1,00
